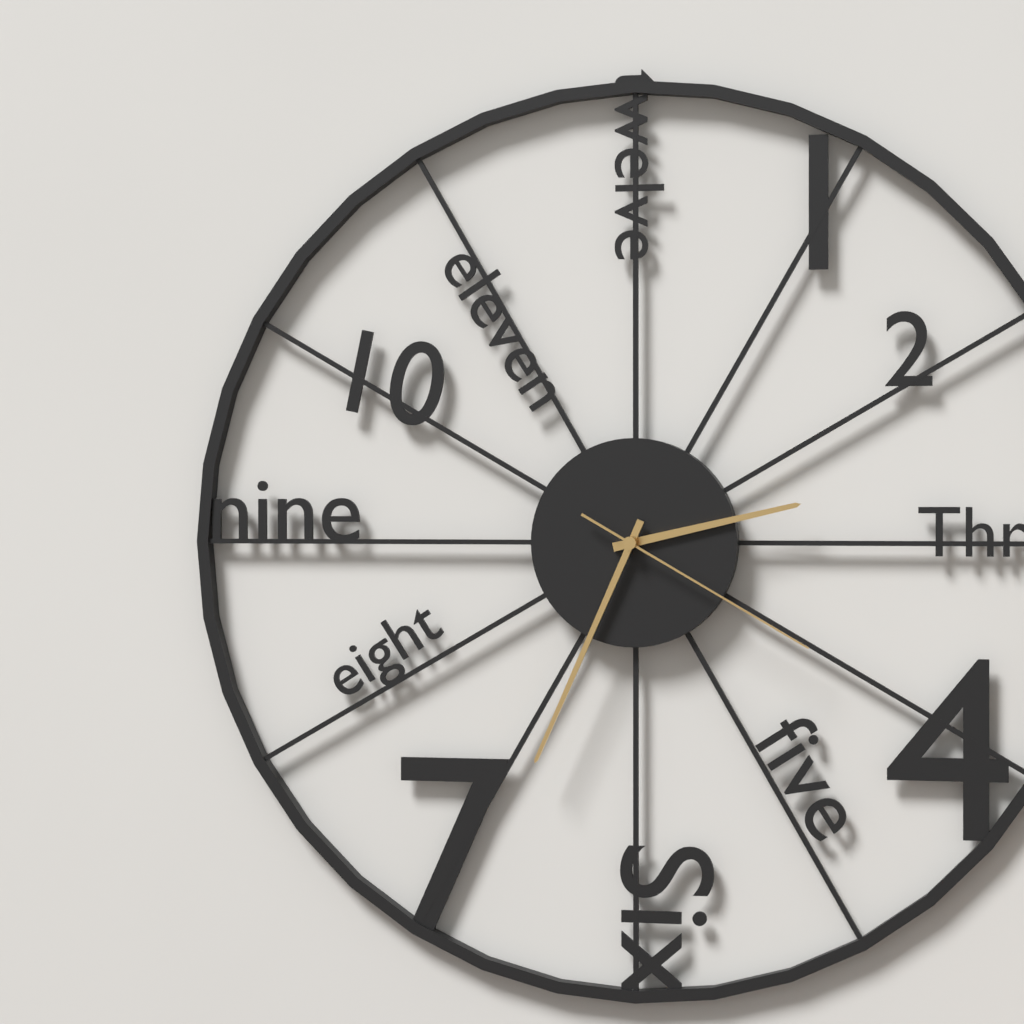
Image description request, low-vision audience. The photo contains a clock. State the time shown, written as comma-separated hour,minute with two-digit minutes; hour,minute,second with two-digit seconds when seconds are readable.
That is 2,34,20
